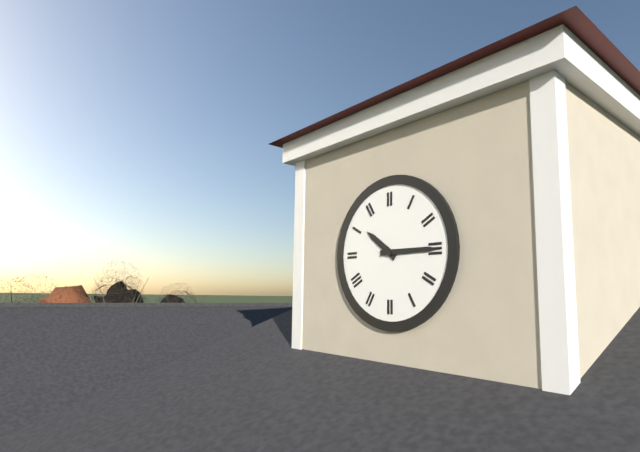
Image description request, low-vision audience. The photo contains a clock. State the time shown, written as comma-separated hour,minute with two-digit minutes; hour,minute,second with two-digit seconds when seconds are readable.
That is 10,15
